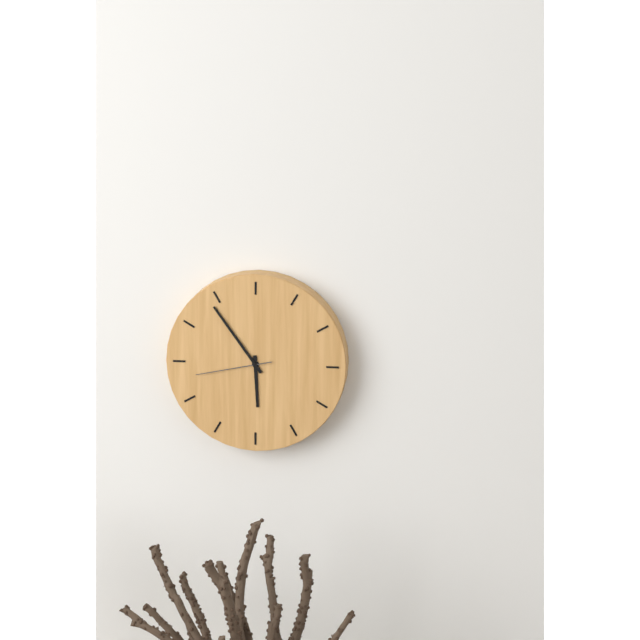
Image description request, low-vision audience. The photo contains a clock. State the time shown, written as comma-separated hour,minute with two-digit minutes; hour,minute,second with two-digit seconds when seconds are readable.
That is 5,54,43
